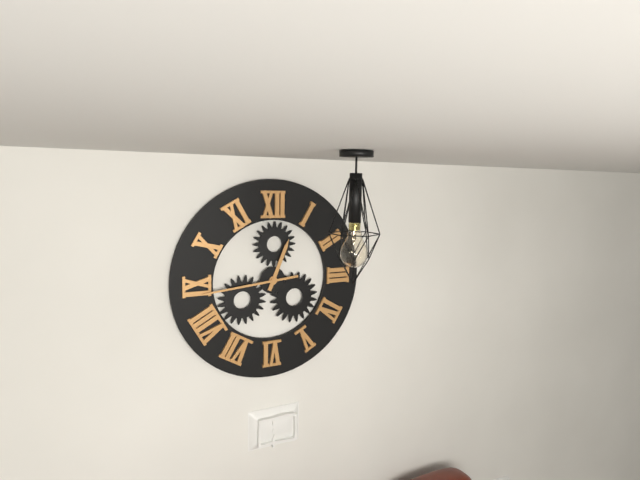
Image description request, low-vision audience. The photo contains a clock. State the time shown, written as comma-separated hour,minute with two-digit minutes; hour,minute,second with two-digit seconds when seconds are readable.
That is 12,44
